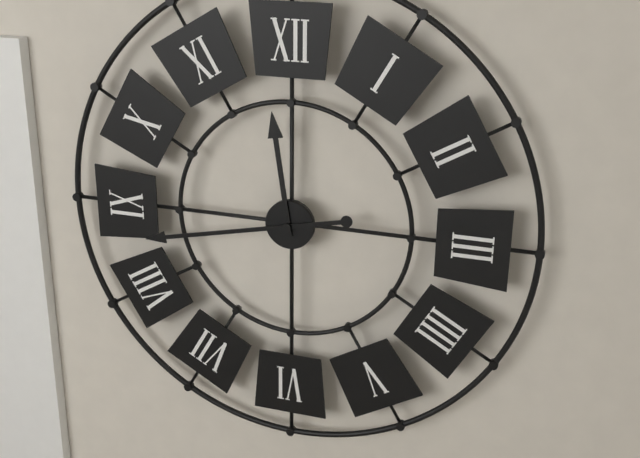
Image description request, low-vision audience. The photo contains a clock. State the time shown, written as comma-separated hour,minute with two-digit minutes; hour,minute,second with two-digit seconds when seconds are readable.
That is 11,43
